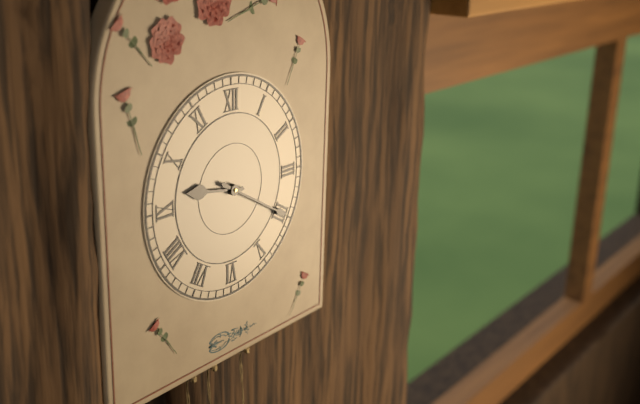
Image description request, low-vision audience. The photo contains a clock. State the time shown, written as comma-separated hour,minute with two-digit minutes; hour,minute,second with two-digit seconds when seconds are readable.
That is 9,20
